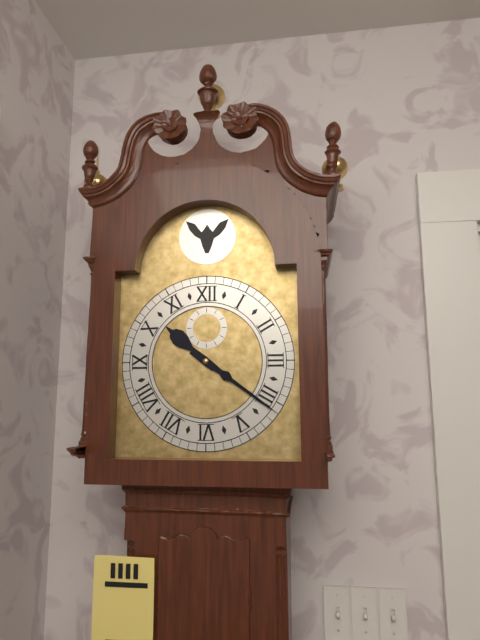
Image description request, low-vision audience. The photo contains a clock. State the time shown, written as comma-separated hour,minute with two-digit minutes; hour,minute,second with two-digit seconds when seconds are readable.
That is 10,21
